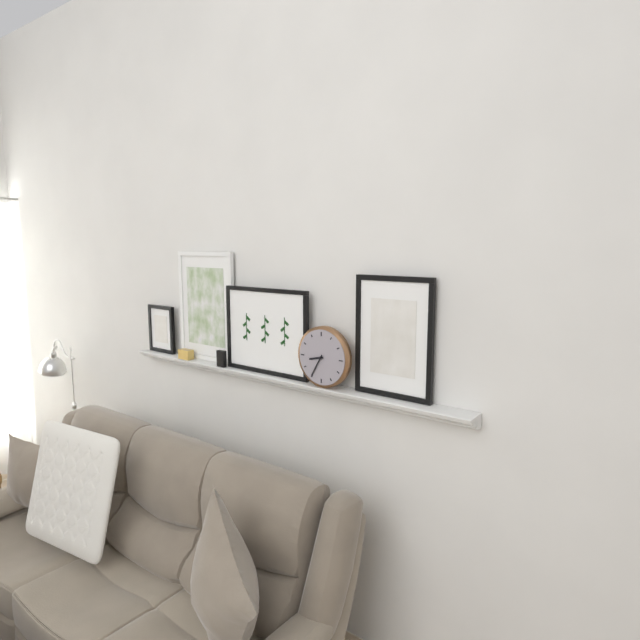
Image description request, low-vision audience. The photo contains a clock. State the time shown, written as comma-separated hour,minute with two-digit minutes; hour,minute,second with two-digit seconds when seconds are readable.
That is 8,35
